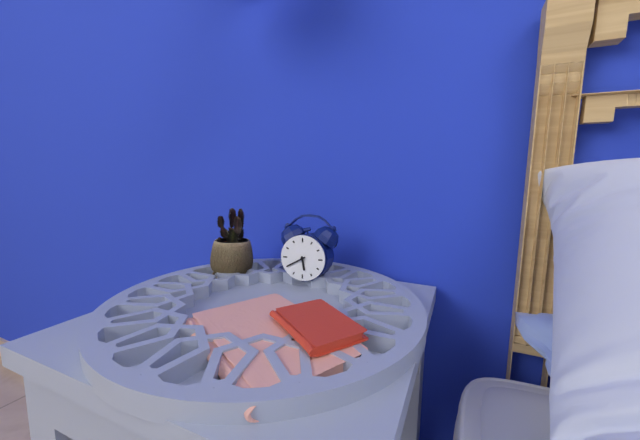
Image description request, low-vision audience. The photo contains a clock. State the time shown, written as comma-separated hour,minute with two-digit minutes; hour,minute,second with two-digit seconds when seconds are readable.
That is 5,40
